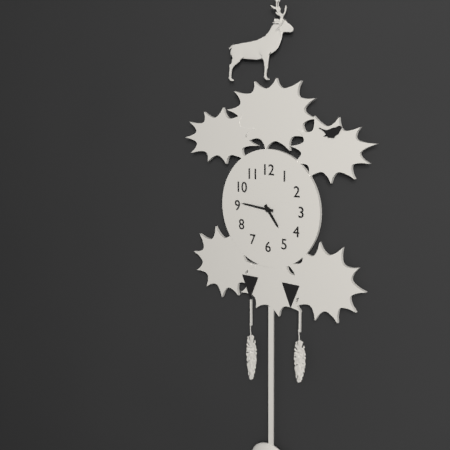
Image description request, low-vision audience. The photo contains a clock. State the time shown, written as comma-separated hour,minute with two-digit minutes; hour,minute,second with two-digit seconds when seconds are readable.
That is 4,46
